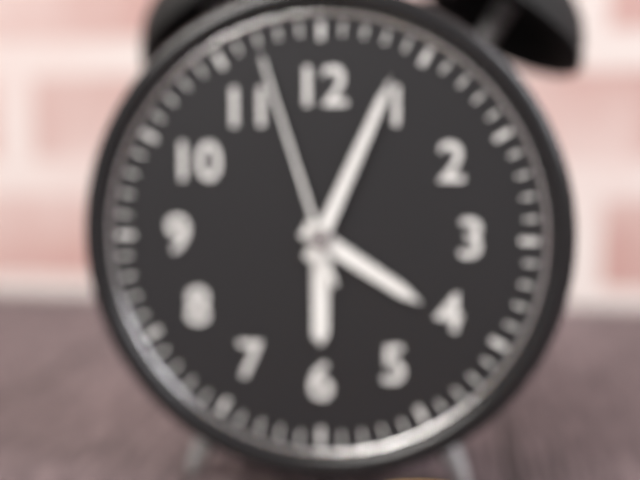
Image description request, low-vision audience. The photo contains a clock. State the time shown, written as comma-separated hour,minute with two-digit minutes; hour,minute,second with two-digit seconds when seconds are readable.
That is 4,04,57
